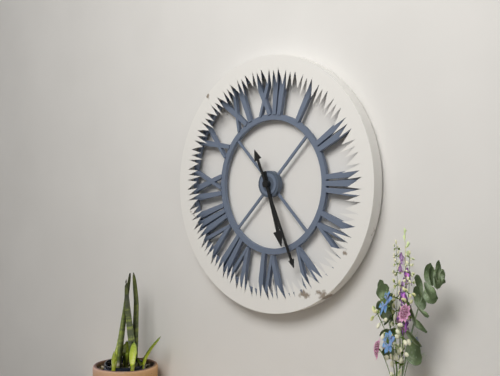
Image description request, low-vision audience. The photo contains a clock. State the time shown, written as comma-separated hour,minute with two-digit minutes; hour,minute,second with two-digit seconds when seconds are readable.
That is 5,26
